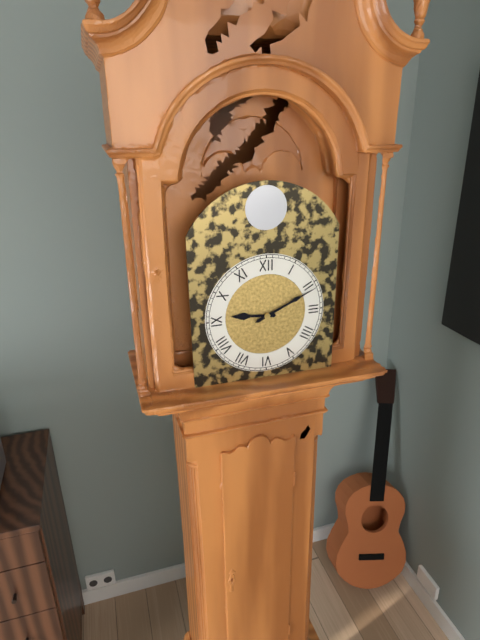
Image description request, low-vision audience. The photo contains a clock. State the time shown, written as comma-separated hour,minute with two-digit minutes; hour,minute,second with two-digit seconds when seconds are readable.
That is 9,11
